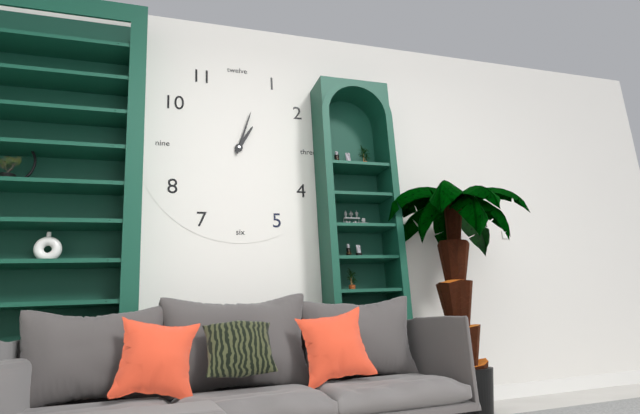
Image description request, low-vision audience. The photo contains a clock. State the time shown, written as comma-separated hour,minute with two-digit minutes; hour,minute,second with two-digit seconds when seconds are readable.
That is 1,03
